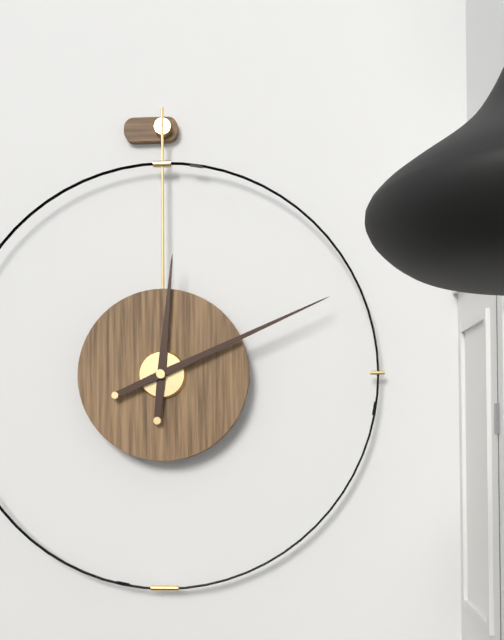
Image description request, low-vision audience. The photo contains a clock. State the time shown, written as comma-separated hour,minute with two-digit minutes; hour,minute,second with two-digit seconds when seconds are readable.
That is 12,11
